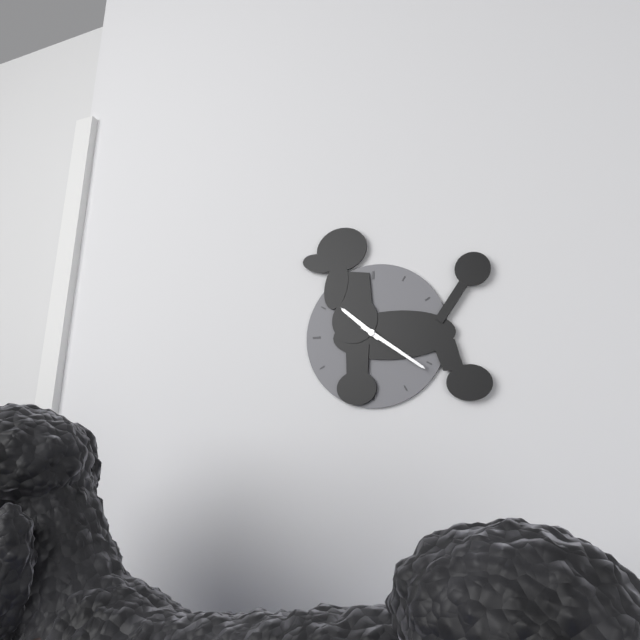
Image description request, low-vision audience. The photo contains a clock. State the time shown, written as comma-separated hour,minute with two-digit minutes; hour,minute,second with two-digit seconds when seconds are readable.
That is 10,21
